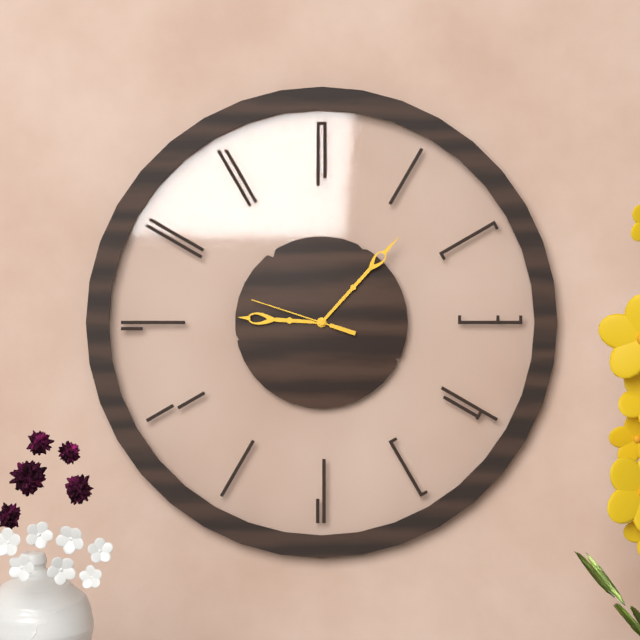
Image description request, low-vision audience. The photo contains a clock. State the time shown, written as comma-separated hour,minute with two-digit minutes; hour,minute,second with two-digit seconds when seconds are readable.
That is 9,07,48
